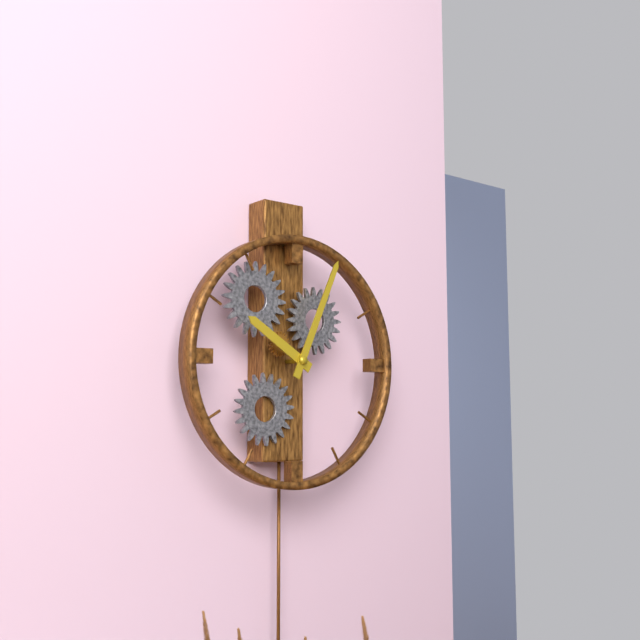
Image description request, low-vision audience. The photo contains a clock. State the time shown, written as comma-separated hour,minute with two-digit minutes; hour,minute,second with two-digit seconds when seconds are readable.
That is 10,04
